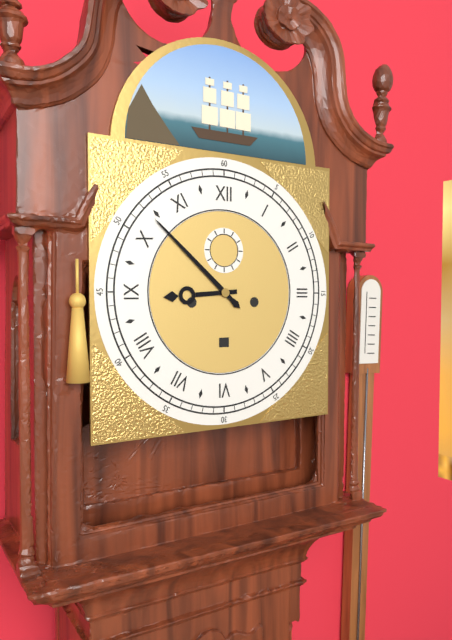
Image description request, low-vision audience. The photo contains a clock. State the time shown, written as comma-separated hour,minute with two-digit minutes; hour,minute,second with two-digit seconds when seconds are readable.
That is 8,52
